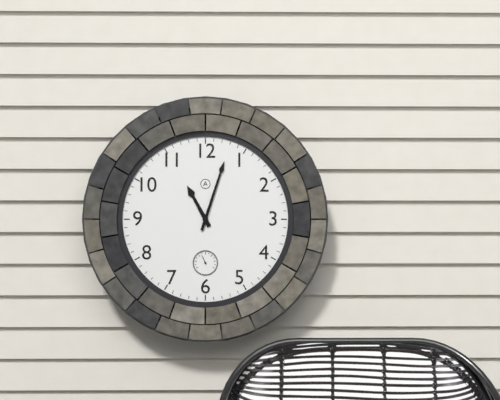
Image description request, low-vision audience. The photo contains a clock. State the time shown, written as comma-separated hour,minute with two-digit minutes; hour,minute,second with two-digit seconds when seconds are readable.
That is 11,03
